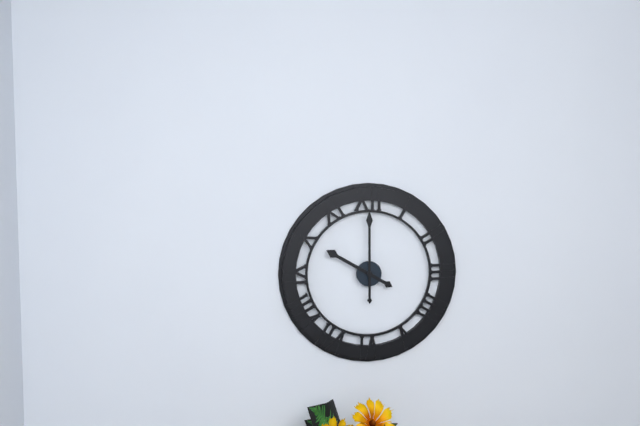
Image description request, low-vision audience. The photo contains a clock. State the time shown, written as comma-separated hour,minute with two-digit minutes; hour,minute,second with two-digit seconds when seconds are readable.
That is 10,00
